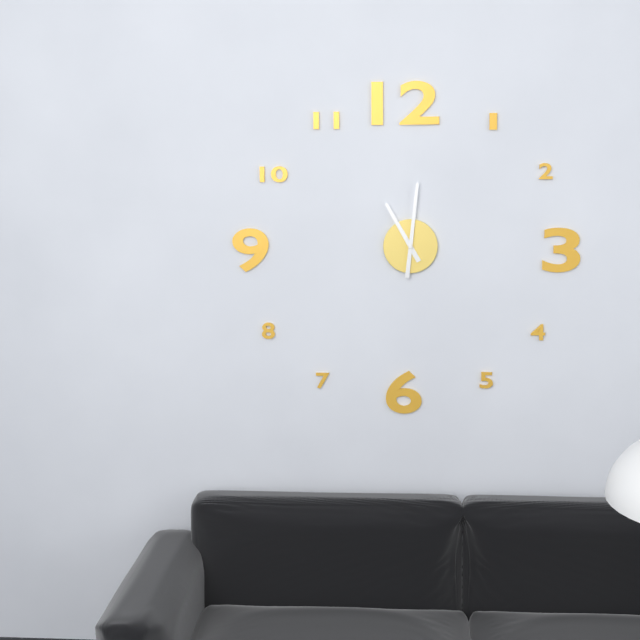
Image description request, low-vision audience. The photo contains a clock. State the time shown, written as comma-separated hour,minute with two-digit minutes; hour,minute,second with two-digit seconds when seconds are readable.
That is 11,01
